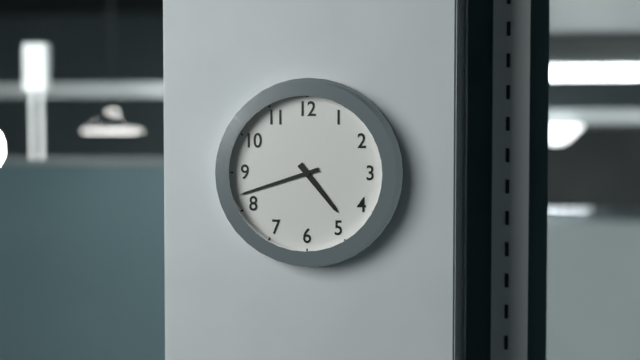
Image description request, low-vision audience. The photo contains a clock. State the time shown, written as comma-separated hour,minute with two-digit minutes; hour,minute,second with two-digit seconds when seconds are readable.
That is 4,42
